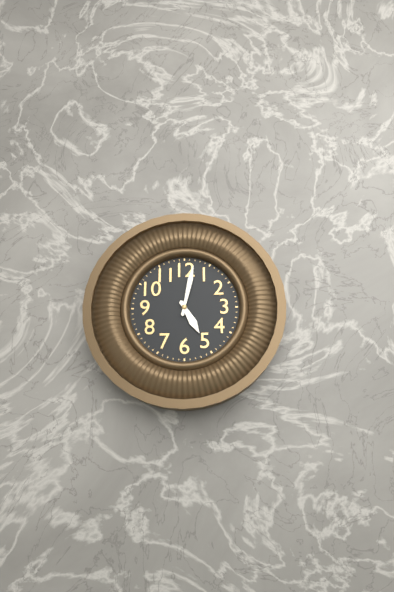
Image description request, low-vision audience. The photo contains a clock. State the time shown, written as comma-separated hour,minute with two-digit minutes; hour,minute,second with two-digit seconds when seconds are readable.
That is 5,02
